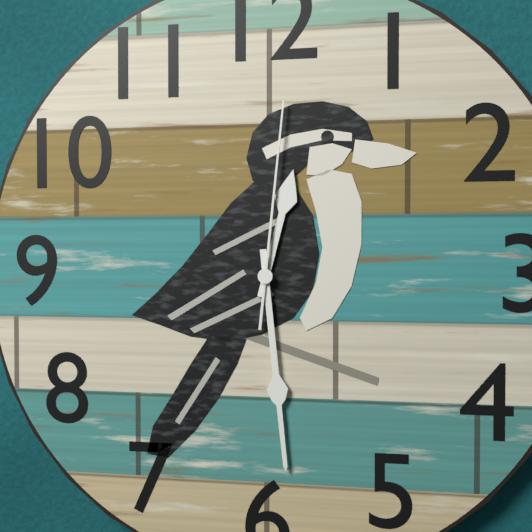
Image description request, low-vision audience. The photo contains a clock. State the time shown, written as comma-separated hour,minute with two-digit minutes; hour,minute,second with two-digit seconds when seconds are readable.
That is 12,29,01
